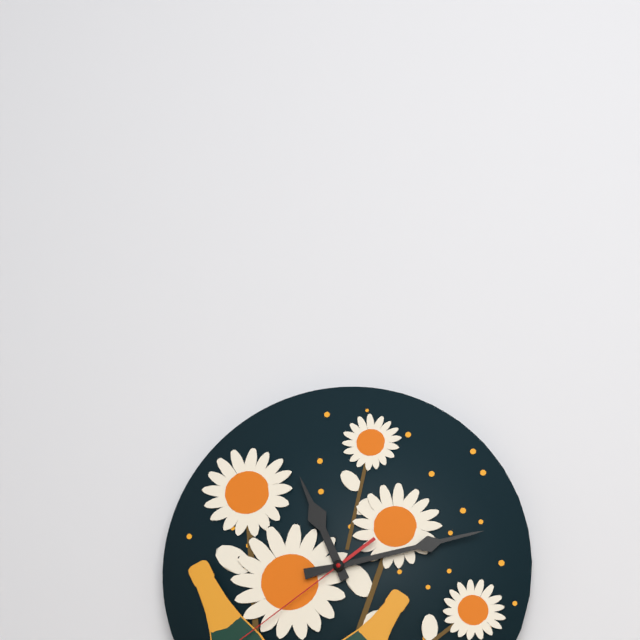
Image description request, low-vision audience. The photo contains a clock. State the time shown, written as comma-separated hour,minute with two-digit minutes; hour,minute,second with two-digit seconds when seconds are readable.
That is 11,13
